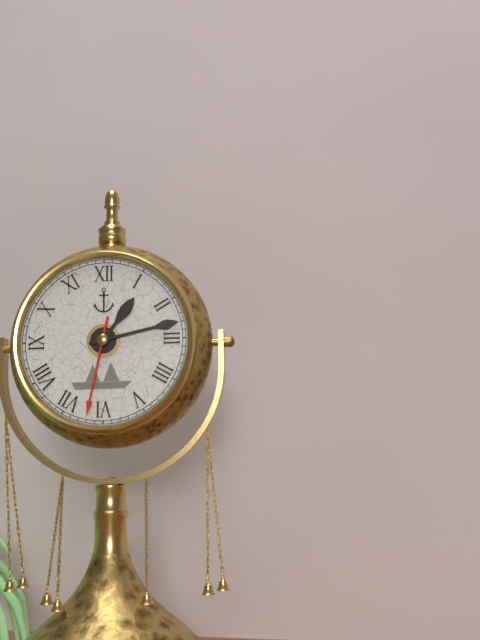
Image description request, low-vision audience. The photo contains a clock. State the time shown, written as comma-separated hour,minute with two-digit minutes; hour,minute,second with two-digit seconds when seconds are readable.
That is 1,13,32
